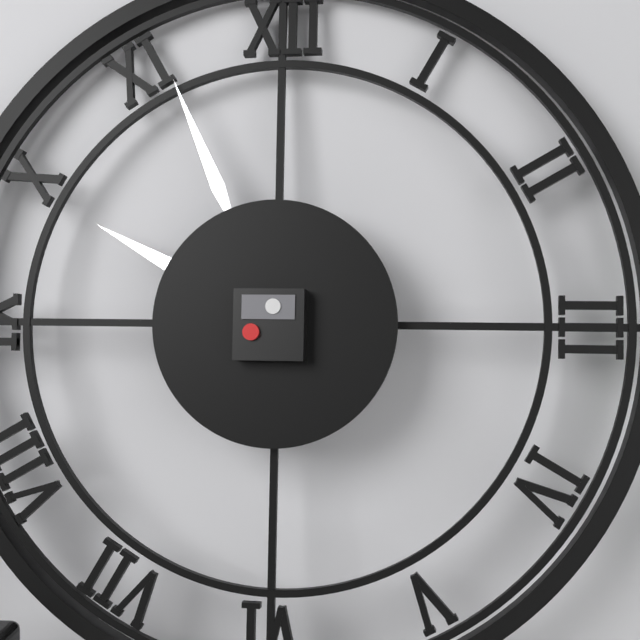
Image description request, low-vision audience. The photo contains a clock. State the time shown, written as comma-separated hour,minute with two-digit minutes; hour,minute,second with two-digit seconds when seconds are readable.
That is 9,56
